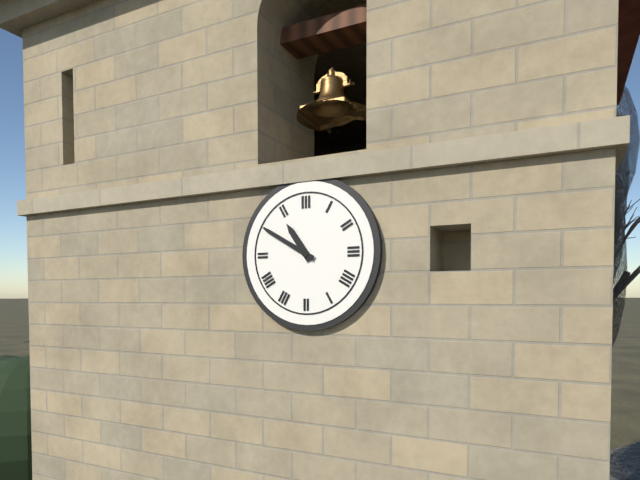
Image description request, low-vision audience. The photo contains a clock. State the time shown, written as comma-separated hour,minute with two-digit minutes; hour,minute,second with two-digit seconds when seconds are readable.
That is 10,50
